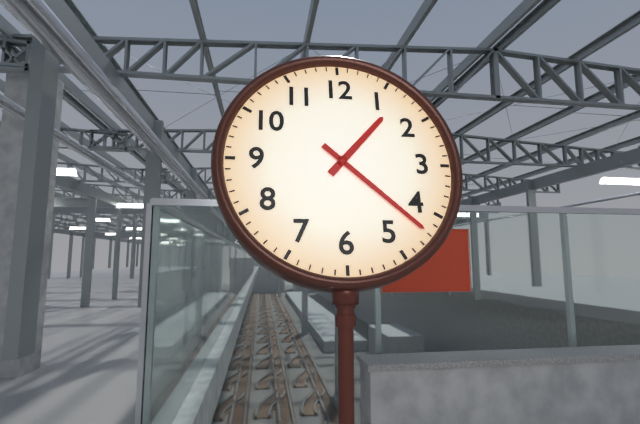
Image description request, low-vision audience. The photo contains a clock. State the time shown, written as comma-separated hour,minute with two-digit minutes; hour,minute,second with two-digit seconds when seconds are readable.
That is 1,22
